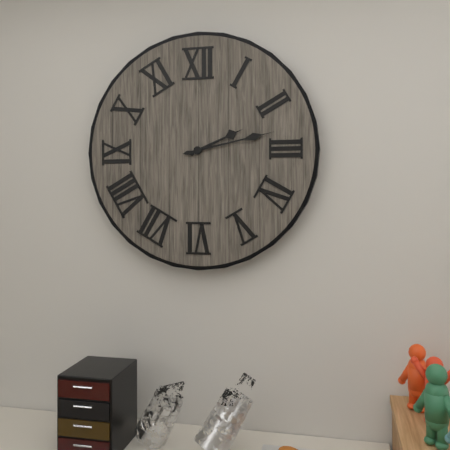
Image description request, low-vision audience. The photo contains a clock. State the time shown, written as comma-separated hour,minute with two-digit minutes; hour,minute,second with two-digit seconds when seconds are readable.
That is 2,13
